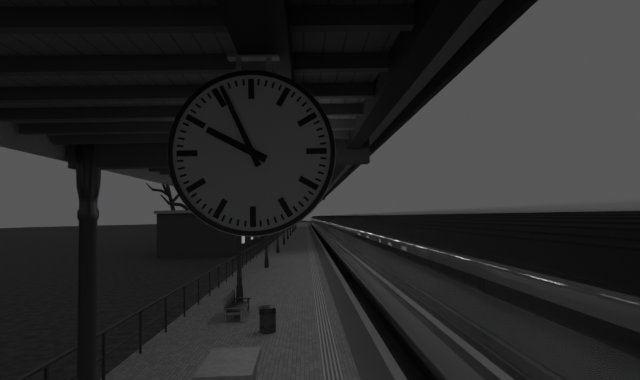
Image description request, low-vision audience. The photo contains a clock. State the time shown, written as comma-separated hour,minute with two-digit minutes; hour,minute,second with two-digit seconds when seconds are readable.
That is 9,56
